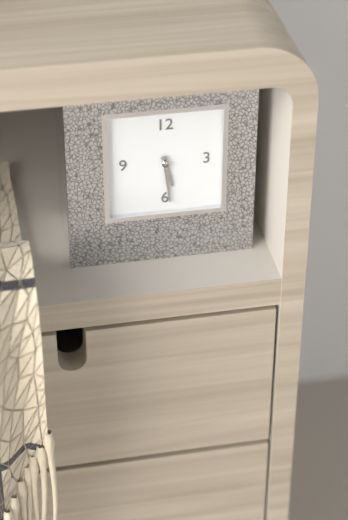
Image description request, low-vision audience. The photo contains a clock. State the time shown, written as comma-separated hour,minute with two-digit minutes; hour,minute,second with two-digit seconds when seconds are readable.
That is 5,29
